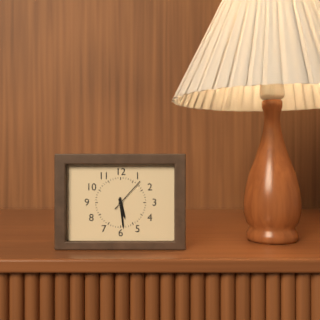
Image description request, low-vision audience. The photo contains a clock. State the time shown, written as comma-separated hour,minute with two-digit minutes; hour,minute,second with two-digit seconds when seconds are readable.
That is 5,29
